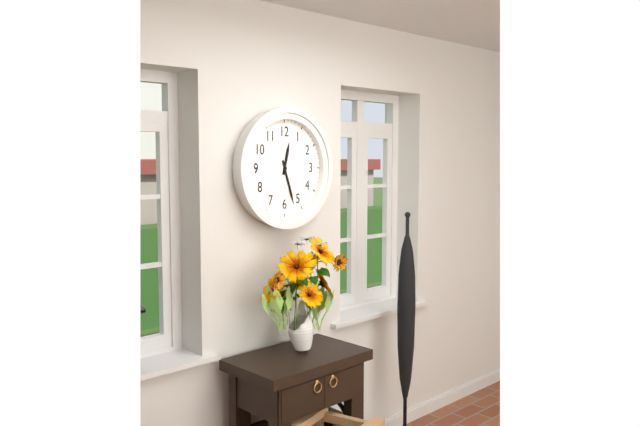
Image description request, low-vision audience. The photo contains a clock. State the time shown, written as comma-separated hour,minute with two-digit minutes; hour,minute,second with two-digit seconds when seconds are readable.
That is 12,27
